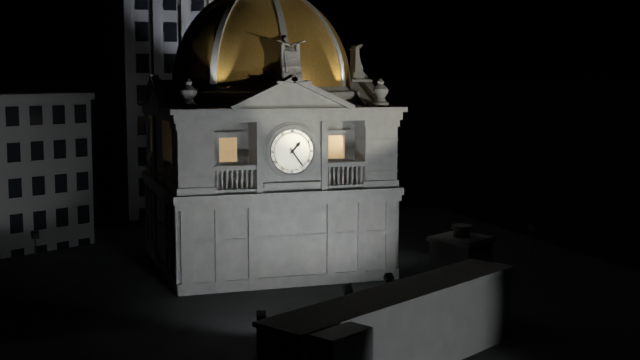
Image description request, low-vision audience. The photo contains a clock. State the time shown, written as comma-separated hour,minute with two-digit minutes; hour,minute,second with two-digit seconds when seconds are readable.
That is 1,24
